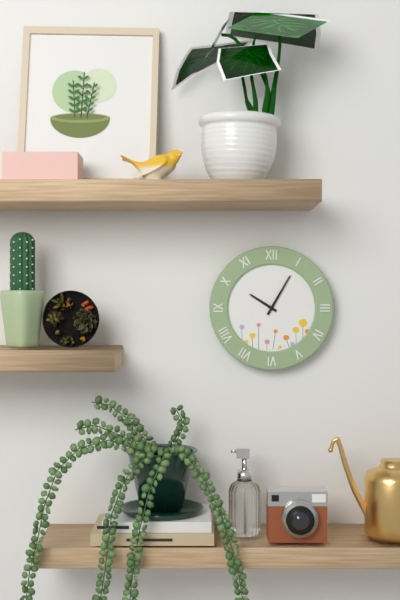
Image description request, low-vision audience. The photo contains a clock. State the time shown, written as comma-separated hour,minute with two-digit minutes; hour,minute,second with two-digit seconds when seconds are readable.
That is 10,05
